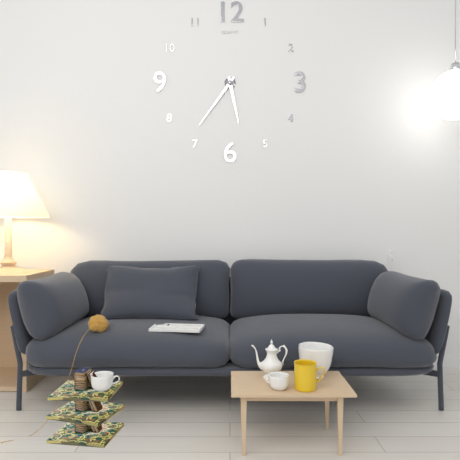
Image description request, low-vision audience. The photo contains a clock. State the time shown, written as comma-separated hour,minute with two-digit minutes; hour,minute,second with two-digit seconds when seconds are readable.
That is 5,36
